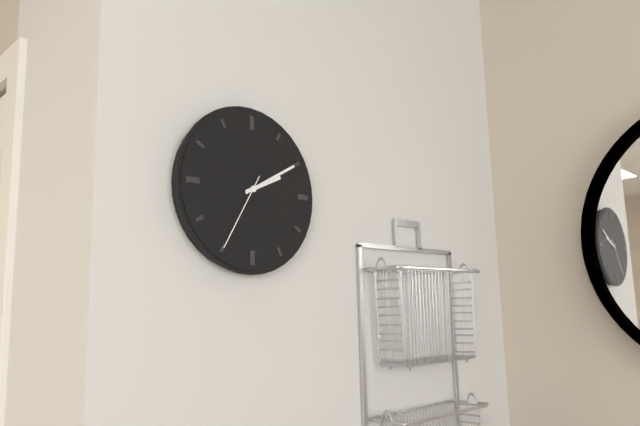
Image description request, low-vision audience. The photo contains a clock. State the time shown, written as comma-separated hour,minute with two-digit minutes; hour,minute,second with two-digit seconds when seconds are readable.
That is 2,10,35
